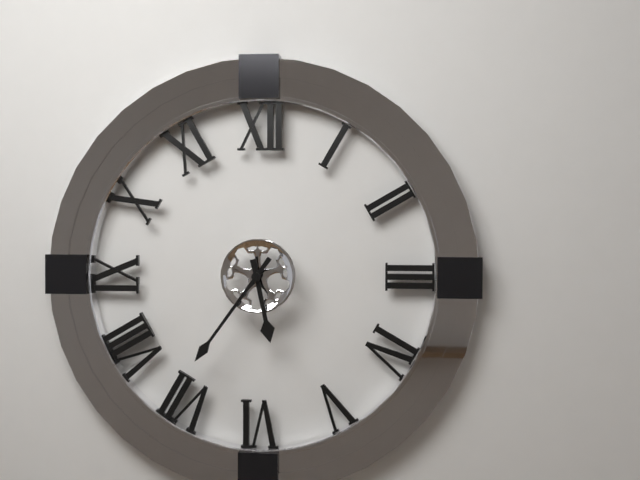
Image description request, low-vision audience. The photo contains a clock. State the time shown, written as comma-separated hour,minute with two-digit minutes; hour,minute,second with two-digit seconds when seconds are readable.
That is 5,36
